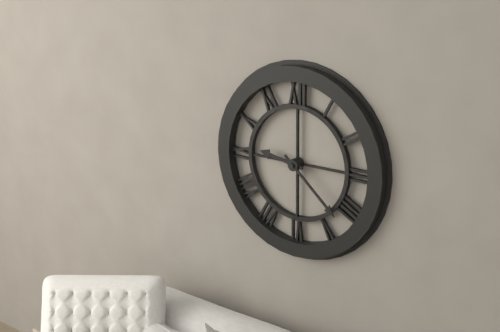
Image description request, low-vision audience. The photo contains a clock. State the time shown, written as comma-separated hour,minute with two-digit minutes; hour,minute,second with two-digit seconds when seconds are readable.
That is 9,22
